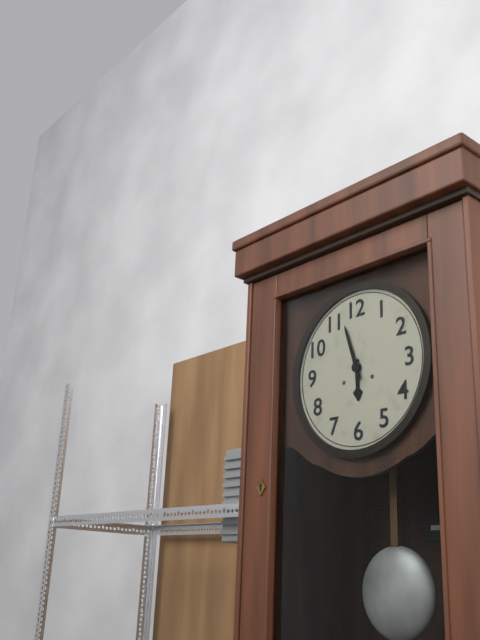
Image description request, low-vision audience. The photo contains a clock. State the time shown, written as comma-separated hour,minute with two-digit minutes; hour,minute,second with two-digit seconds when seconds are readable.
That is 5,57
